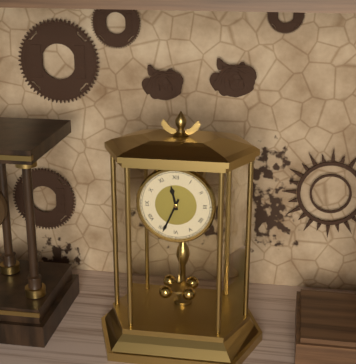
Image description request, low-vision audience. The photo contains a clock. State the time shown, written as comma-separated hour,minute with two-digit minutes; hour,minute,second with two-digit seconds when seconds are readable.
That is 11,34
